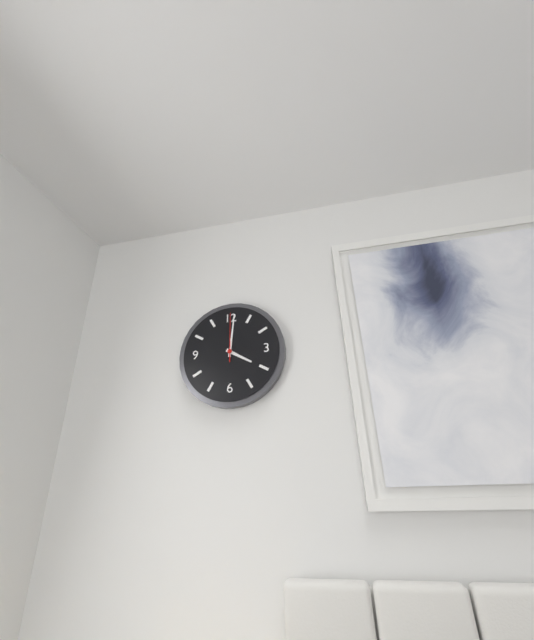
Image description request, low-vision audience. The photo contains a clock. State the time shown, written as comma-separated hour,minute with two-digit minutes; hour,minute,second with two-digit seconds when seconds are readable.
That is 4,01,00
